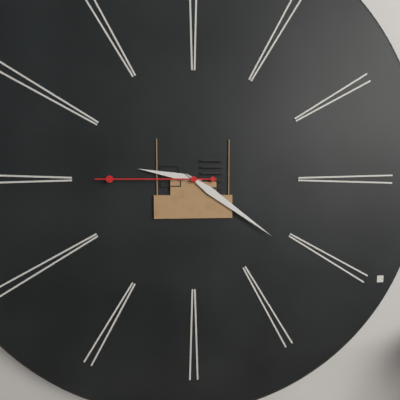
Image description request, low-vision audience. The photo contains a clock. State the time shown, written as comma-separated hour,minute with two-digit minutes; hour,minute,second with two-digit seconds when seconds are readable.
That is 9,21,45
